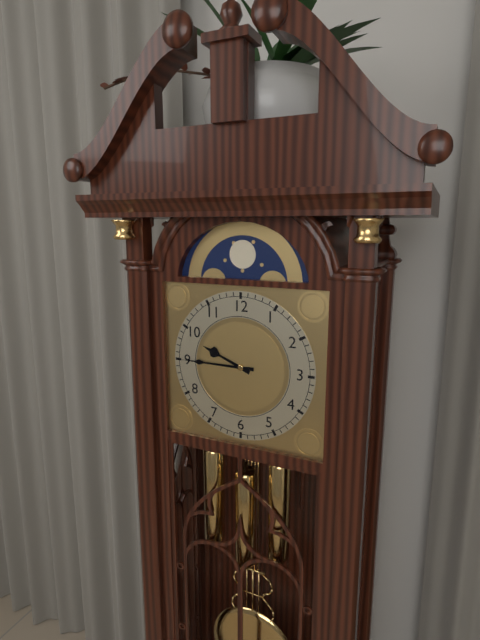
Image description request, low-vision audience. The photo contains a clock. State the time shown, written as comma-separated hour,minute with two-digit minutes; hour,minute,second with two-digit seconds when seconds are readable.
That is 9,45
